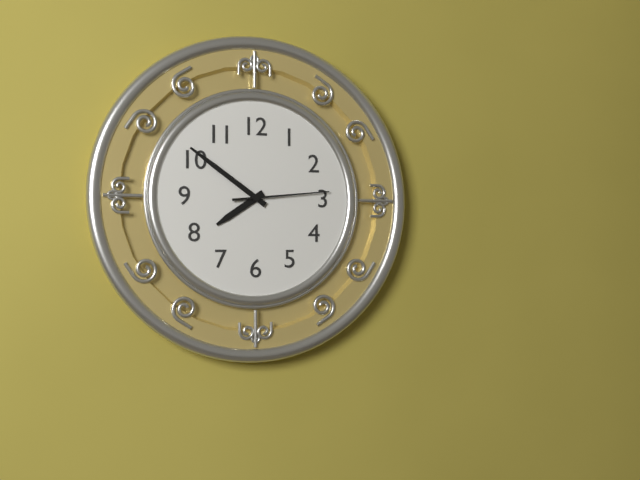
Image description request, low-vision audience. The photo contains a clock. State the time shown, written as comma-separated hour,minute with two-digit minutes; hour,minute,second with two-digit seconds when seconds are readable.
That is 7,51,14
